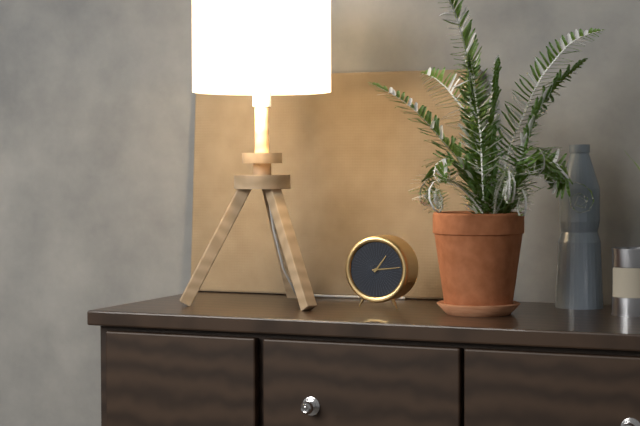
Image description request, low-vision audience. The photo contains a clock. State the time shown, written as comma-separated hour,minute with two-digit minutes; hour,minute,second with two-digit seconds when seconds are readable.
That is 1,14
